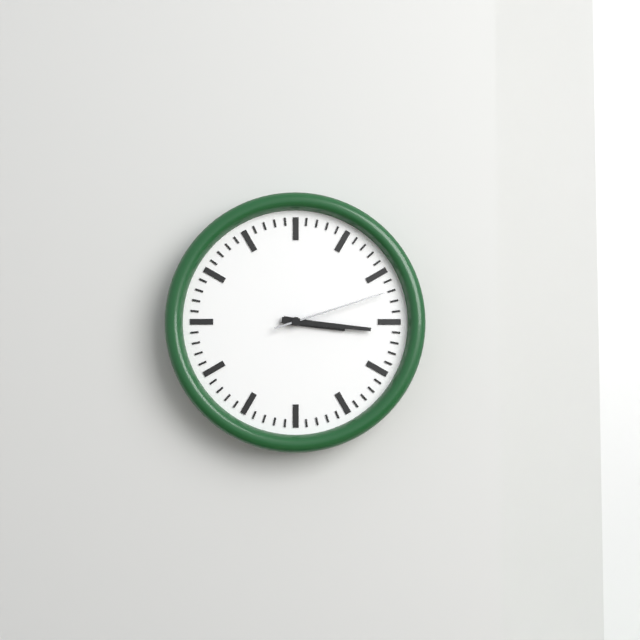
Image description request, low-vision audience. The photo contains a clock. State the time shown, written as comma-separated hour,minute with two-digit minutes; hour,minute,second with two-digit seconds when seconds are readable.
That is 3,16,12
